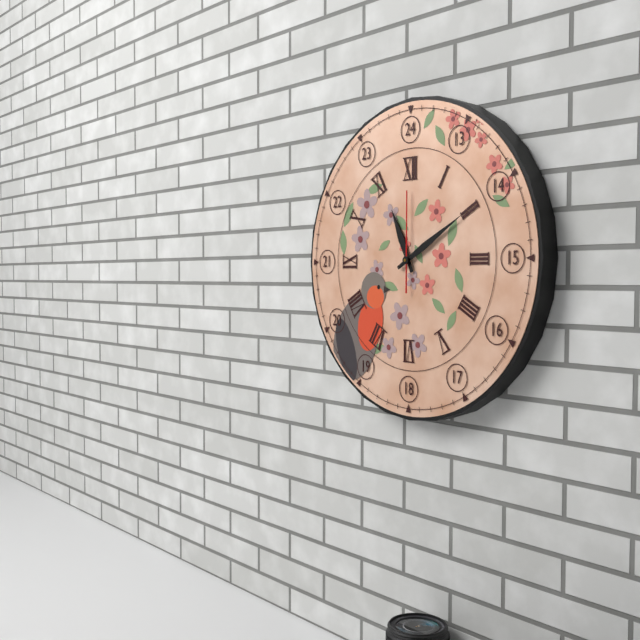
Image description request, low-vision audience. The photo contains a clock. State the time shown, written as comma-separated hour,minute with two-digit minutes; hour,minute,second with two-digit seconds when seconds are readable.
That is 11,10,00
